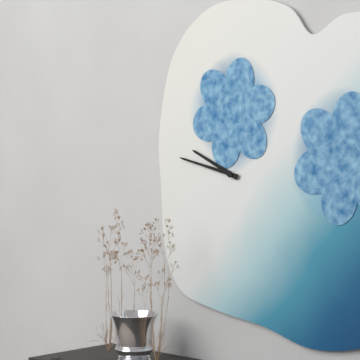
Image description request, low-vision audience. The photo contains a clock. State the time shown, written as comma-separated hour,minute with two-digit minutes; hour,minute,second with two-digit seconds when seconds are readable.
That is 9,47
